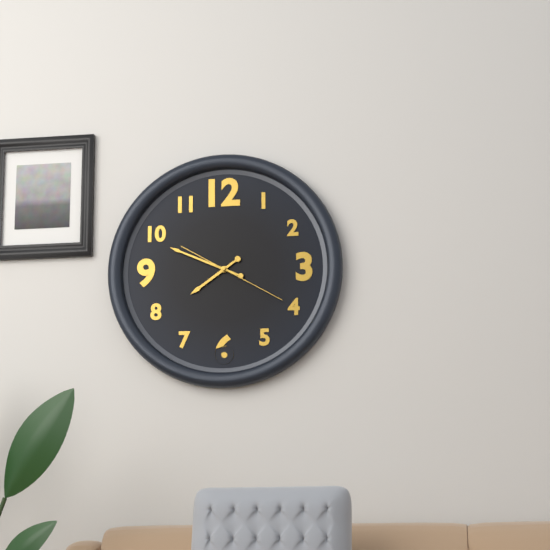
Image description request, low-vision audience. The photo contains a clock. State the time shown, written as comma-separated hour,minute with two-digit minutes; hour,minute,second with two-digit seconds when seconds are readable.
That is 7,49,20
